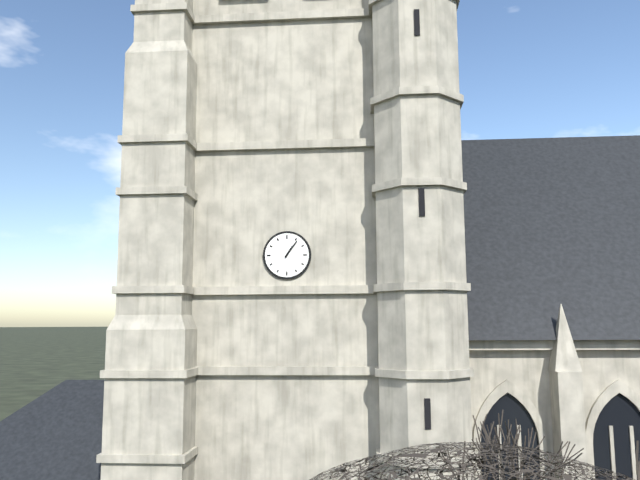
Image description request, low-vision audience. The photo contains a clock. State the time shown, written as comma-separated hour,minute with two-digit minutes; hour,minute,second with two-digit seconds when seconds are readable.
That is 1,06
